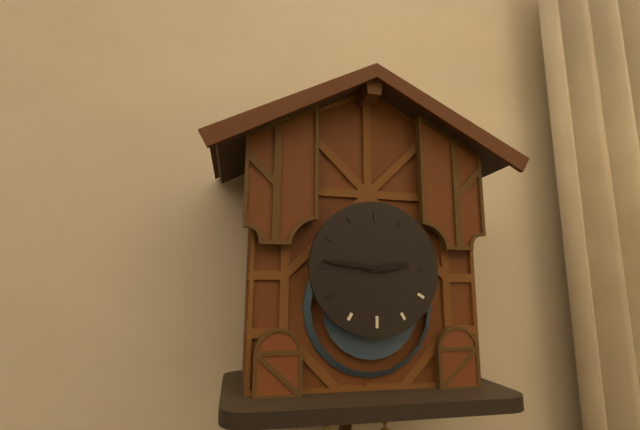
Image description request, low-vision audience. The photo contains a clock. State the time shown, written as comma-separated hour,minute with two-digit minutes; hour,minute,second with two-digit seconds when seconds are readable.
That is 2,46
